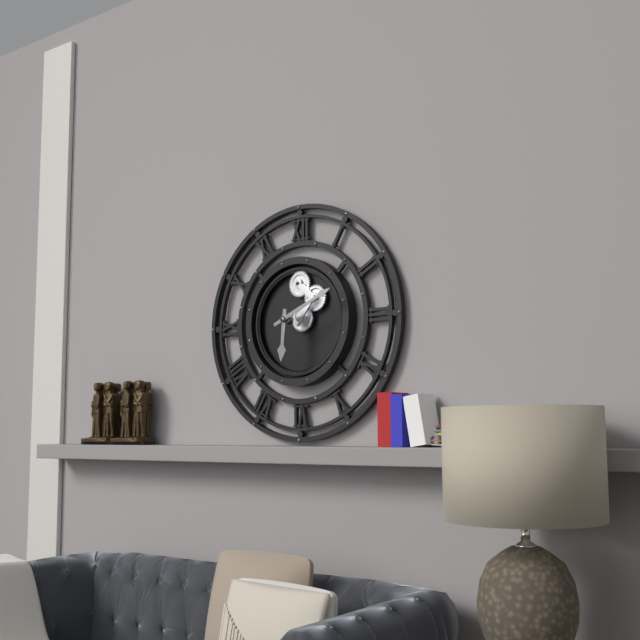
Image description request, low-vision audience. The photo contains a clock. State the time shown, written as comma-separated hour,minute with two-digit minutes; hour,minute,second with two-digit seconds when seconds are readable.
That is 6,11
